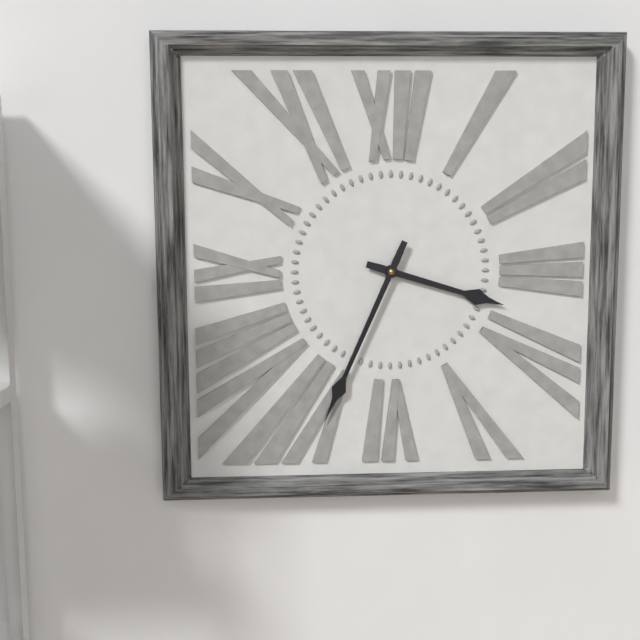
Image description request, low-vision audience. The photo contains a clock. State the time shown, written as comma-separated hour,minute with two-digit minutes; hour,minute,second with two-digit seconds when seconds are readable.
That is 3,34
